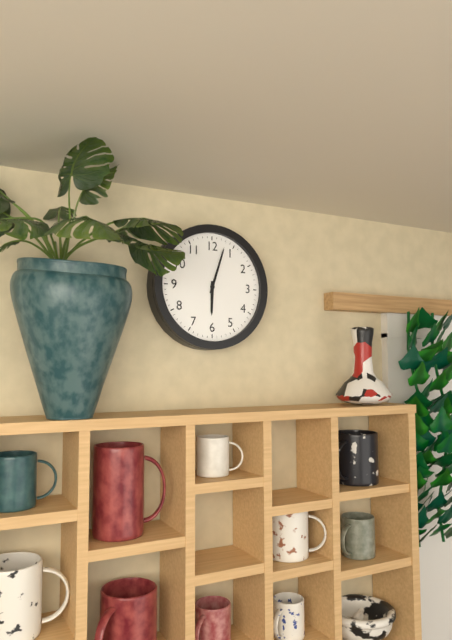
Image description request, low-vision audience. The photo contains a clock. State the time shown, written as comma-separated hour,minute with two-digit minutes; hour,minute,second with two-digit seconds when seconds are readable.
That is 6,03
